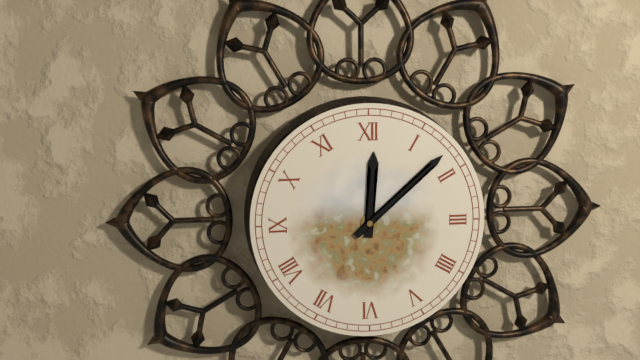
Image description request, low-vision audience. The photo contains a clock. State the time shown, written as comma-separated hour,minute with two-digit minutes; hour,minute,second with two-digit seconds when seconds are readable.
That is 12,08
